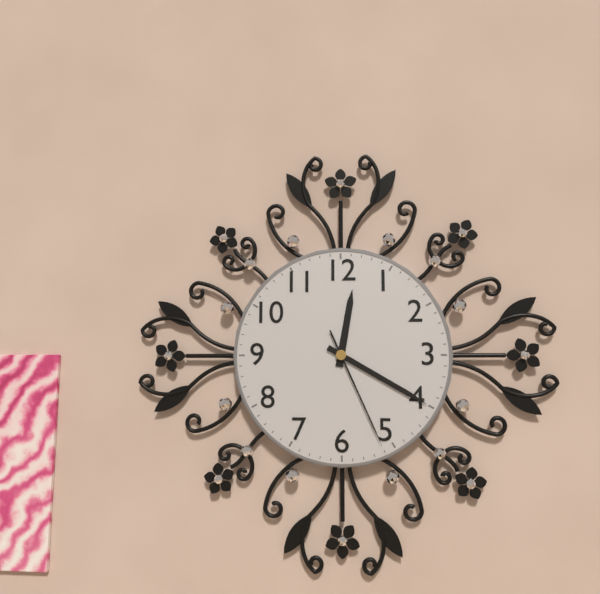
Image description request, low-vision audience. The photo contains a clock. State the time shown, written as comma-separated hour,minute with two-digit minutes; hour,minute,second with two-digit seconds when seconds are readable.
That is 12,20,26
